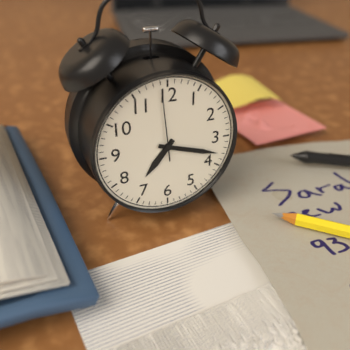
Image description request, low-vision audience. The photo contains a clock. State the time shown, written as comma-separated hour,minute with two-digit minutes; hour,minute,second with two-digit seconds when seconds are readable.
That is 7,18,59
